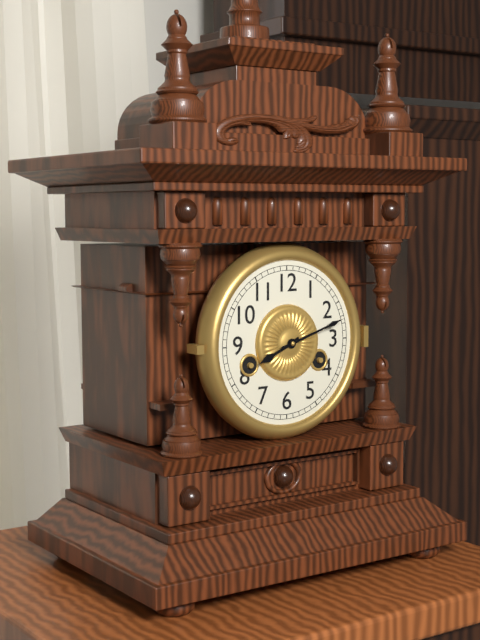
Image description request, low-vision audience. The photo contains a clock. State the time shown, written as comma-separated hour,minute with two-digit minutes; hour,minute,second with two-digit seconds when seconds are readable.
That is 8,12
